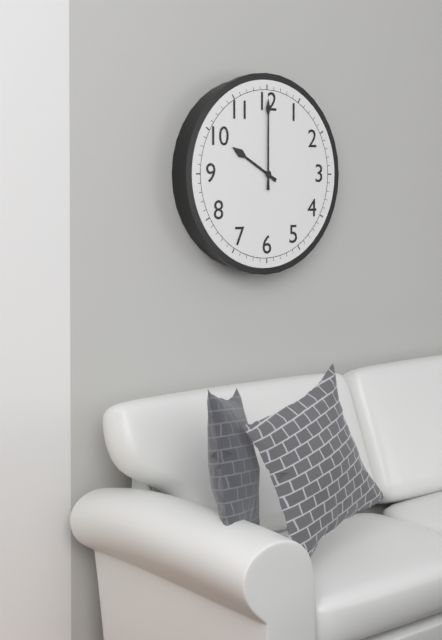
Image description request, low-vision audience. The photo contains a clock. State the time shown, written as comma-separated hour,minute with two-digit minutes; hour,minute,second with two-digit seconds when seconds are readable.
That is 10,00
